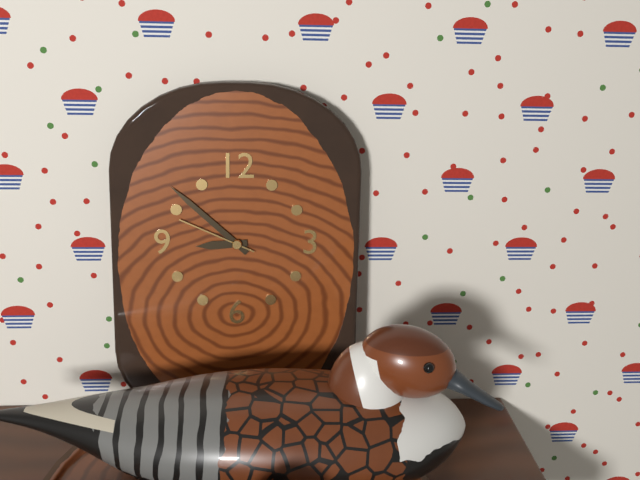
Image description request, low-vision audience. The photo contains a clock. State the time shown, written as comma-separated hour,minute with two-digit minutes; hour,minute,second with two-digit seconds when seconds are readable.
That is 8,52,49
